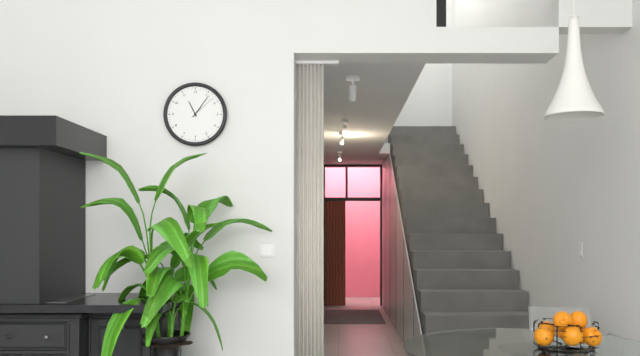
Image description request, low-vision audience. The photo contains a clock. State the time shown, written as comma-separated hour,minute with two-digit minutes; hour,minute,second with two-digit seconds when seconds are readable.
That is 11,06
